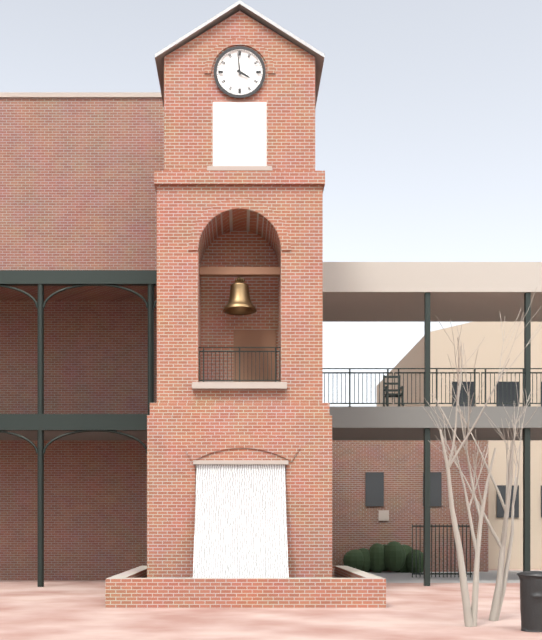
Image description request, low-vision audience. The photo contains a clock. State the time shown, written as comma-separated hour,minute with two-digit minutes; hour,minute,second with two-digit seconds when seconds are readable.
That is 3,59
